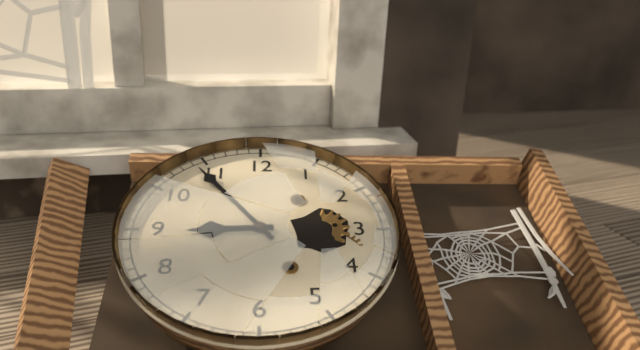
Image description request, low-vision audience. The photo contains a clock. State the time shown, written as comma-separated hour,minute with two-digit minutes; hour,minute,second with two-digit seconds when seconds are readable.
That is 8,54
